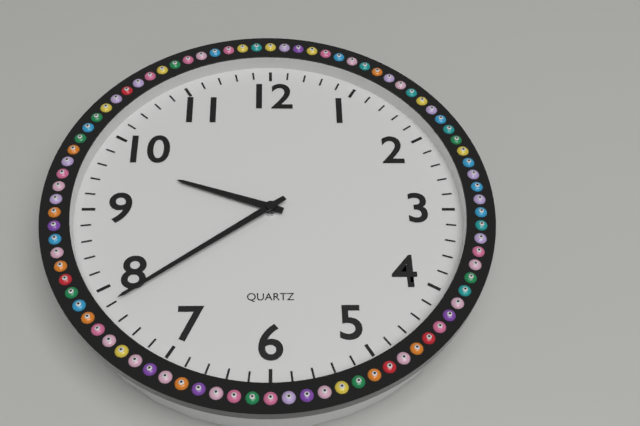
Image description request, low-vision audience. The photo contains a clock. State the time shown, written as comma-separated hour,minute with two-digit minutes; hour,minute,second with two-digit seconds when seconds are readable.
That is 9,39
